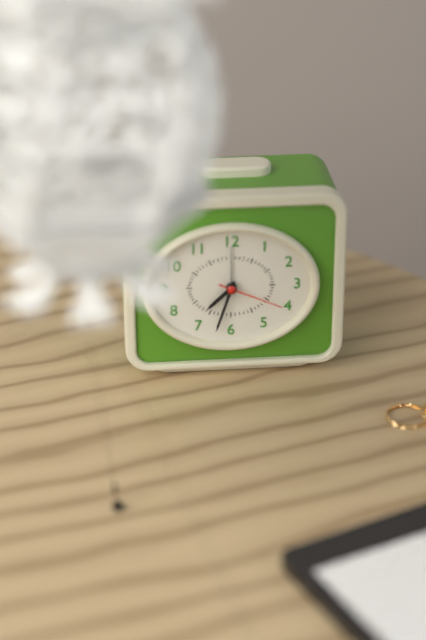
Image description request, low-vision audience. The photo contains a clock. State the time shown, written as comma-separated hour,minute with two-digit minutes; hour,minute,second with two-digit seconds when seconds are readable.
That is 7,33,19
